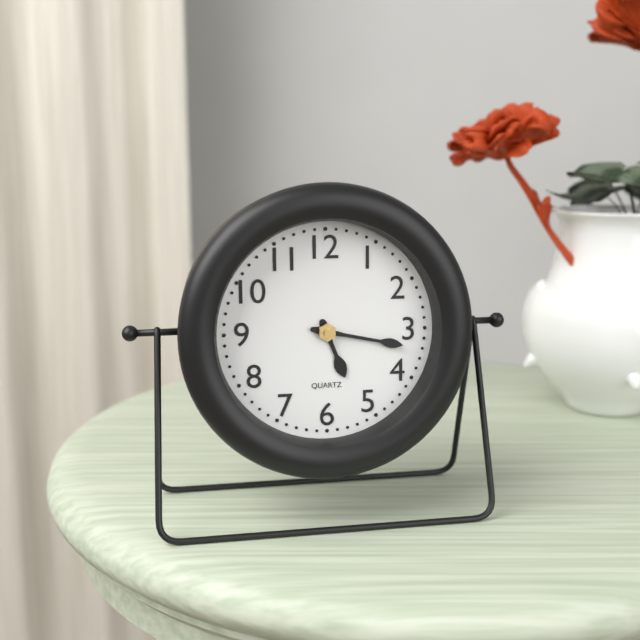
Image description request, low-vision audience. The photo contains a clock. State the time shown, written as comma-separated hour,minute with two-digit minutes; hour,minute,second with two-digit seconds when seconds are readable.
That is 5,17
